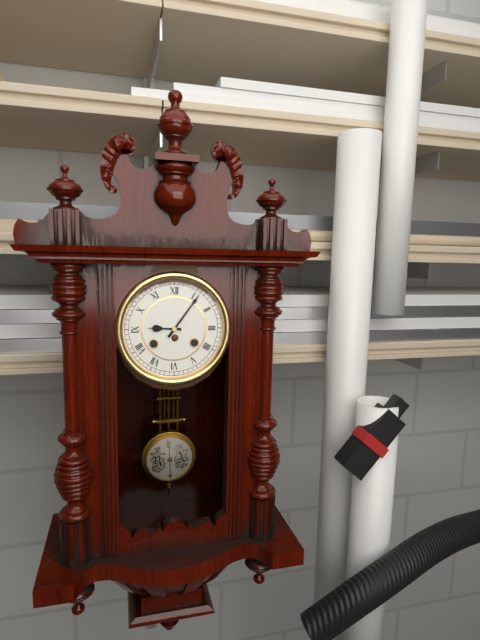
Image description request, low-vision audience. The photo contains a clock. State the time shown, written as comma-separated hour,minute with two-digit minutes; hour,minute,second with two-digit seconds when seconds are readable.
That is 9,06
